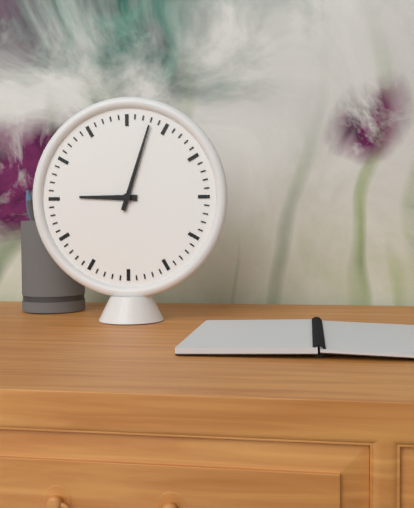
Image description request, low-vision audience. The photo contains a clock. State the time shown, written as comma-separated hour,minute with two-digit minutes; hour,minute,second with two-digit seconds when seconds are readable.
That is 9,03
